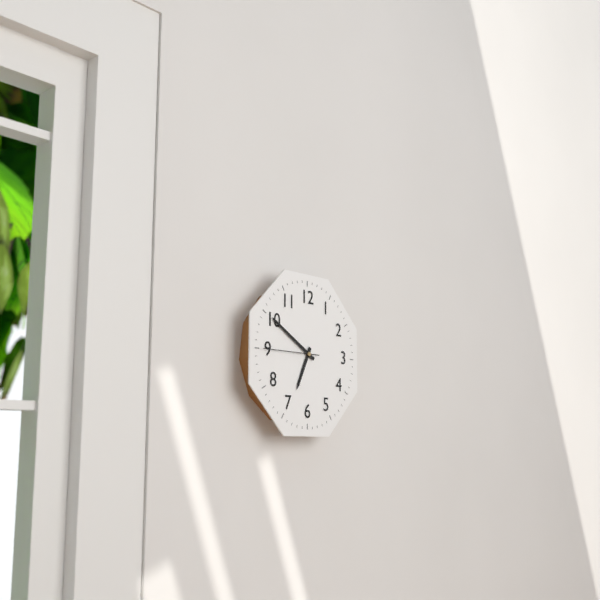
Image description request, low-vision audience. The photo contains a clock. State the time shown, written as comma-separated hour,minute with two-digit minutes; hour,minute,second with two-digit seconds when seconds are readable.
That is 6,50,45
